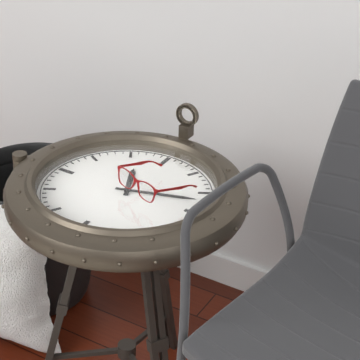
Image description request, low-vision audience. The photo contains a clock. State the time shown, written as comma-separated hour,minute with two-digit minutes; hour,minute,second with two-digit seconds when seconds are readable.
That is 11,12
